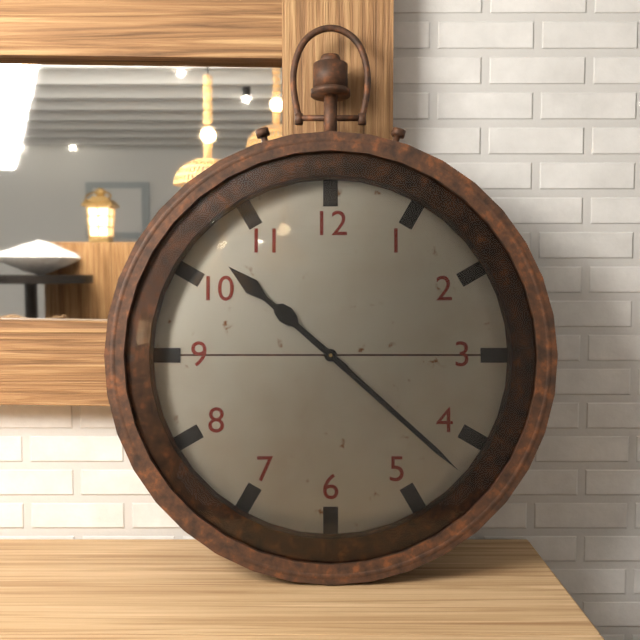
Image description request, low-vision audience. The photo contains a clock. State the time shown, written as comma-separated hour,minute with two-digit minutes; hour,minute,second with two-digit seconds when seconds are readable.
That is 10,22
